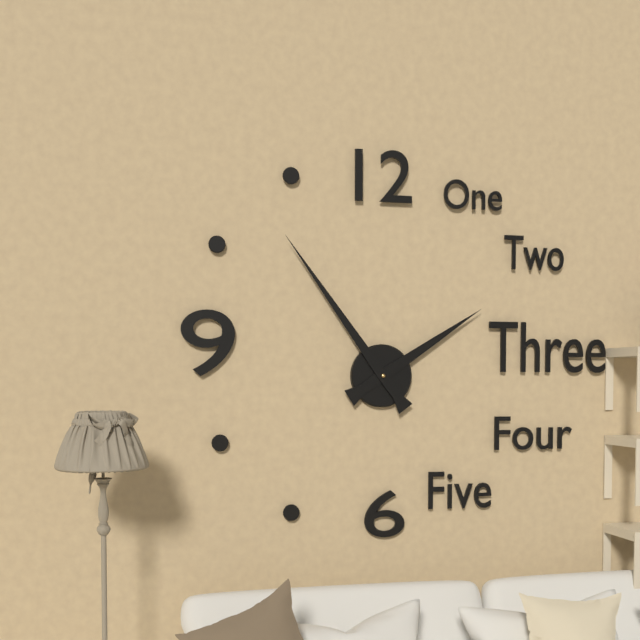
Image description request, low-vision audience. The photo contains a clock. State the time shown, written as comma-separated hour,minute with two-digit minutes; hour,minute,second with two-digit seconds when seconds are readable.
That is 1,54
